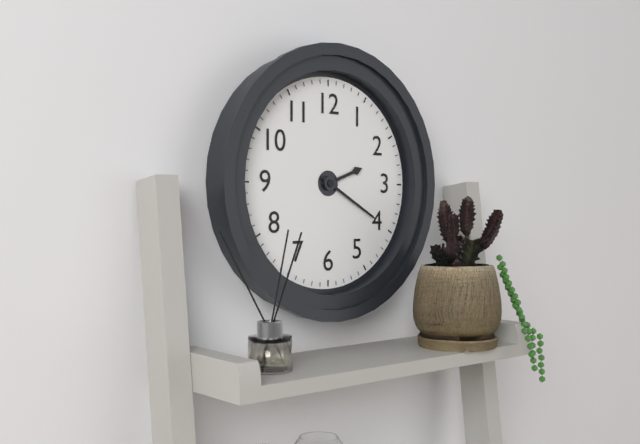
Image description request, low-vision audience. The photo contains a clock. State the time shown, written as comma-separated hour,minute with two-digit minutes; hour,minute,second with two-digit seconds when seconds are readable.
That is 2,20
